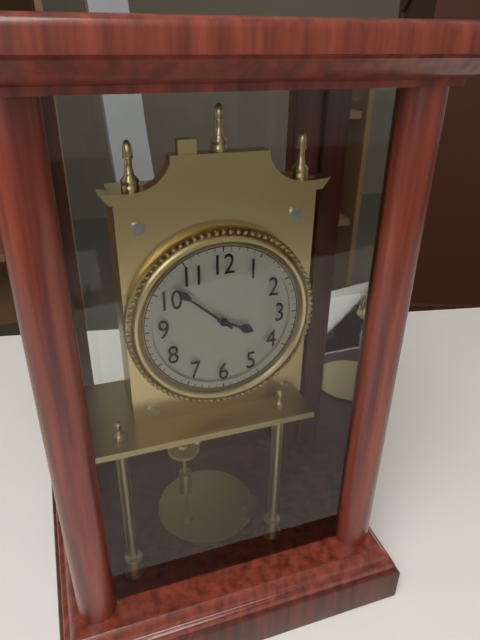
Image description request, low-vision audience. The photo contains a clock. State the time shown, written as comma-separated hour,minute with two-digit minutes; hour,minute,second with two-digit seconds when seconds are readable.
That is 3,52
